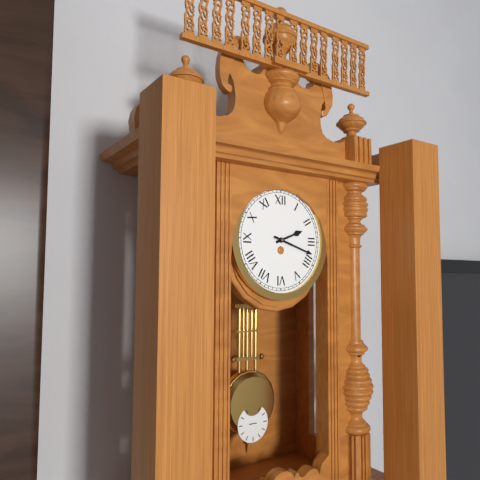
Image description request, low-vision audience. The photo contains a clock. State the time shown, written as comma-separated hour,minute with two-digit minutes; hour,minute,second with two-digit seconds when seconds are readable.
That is 2,18
